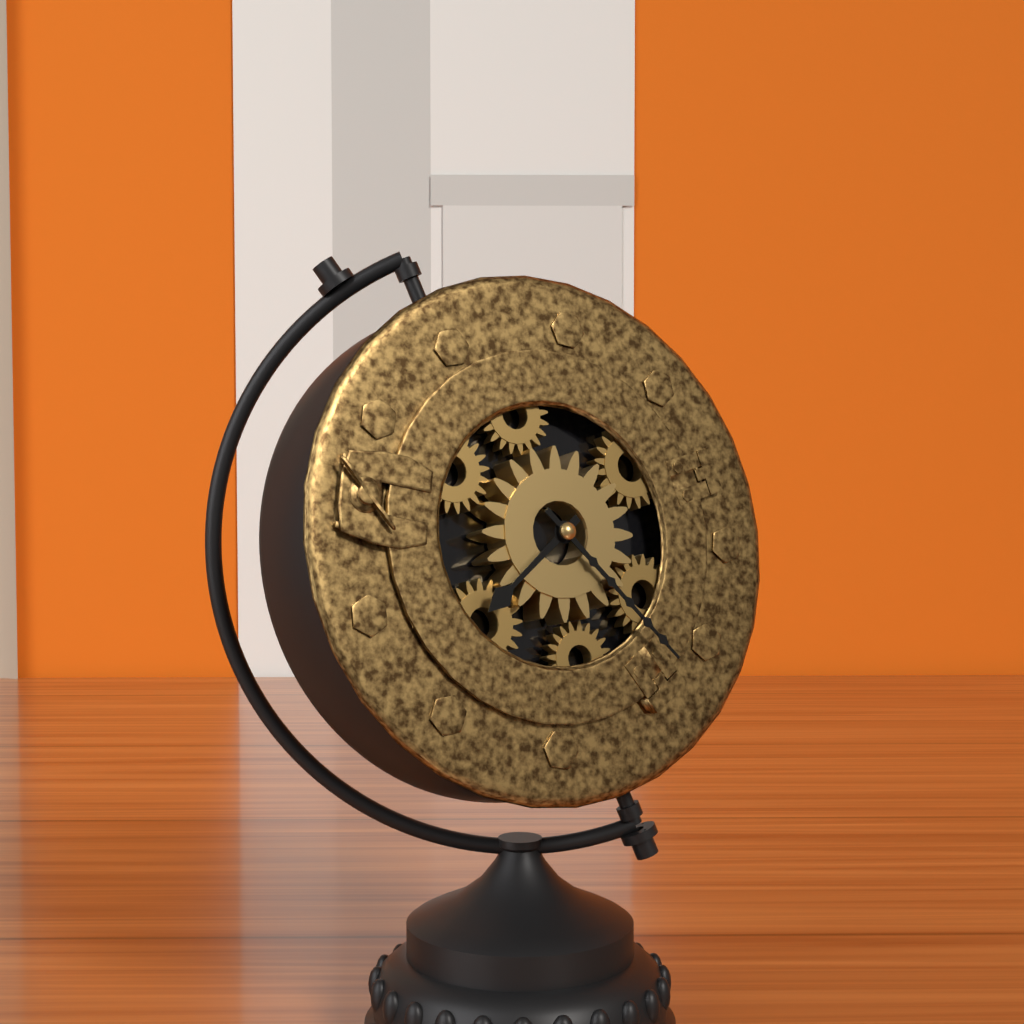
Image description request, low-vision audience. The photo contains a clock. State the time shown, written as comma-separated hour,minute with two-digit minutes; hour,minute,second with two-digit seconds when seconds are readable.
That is 7,21
